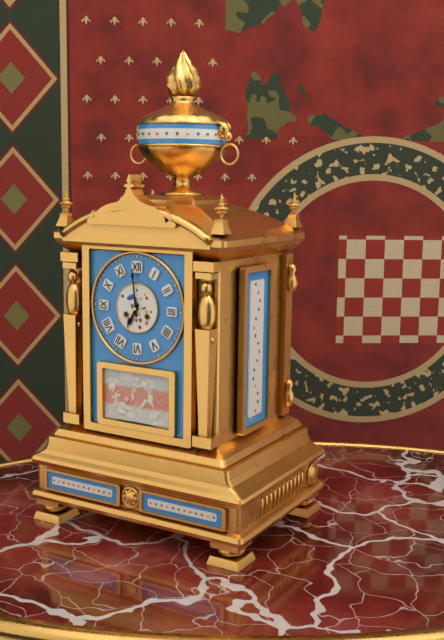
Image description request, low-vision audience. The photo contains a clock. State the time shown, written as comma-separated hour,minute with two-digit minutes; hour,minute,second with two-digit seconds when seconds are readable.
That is 6,59
